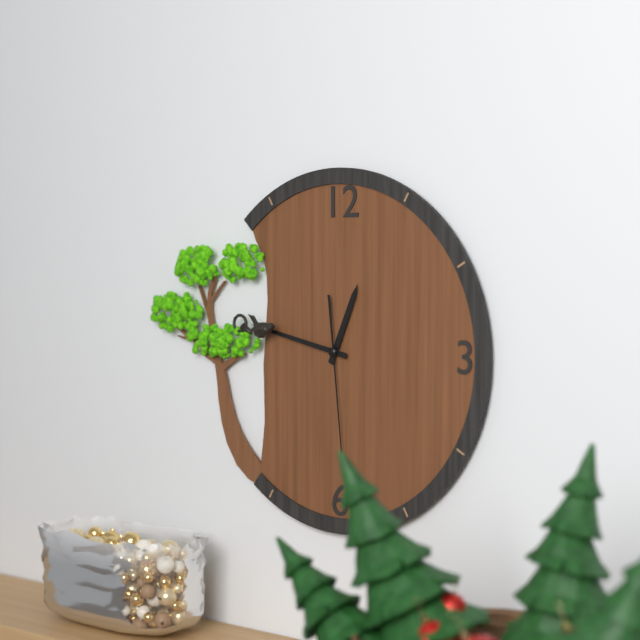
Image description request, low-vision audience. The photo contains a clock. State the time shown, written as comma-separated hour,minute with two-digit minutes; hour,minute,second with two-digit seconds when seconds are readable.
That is 12,47,29
